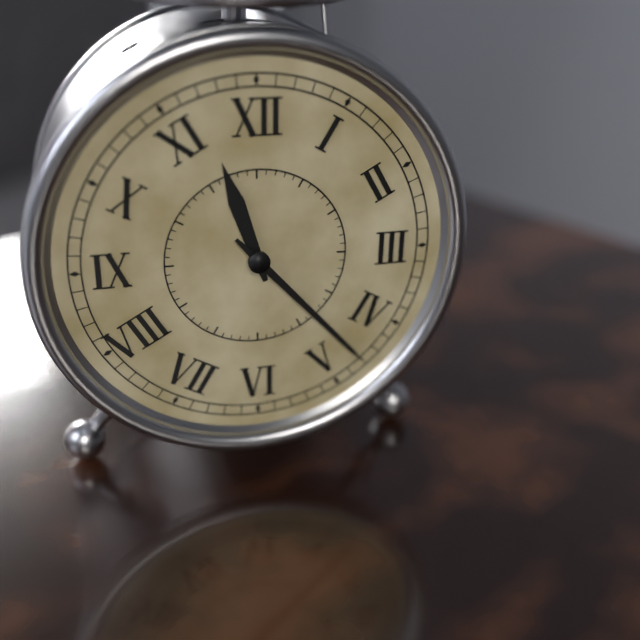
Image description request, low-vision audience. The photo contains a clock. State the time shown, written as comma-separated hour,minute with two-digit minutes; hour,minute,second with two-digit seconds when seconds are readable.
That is 11,23
